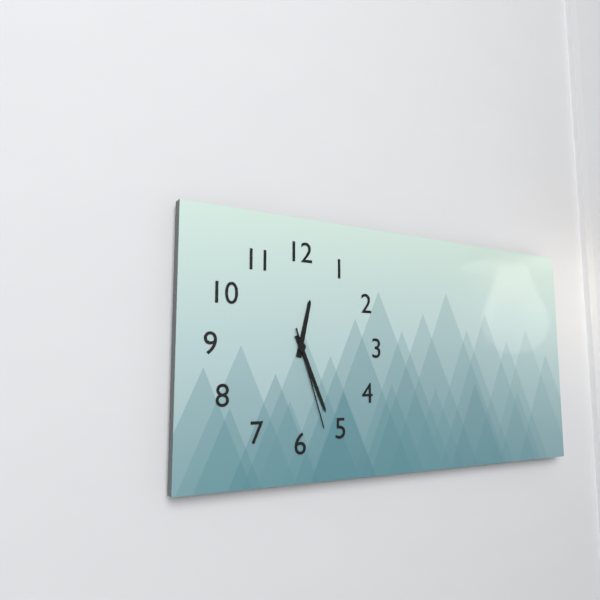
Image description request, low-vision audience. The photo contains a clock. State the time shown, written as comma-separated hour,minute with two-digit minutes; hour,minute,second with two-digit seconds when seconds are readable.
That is 12,26,27
